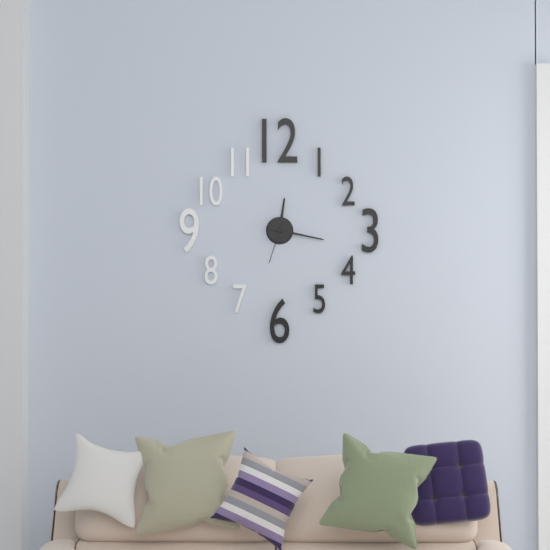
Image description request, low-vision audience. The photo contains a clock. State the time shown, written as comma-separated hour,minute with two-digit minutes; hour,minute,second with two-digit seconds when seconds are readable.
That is 12,17
